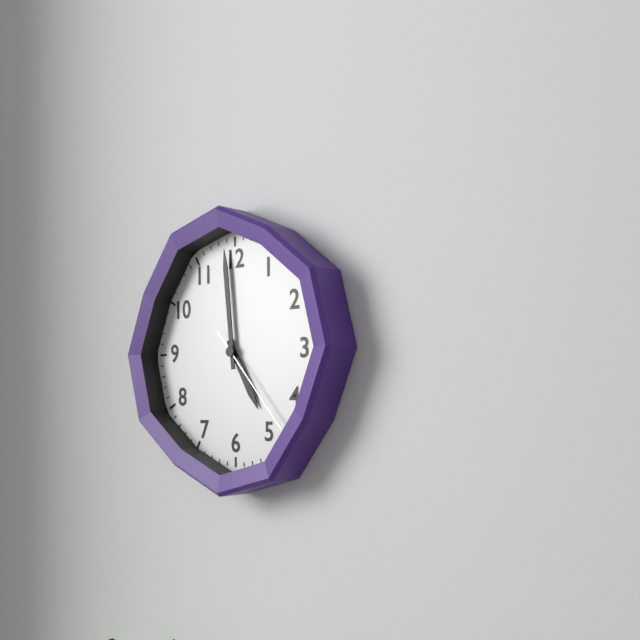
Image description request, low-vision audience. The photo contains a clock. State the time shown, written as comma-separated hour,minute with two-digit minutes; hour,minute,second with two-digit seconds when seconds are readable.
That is 4,59,23
